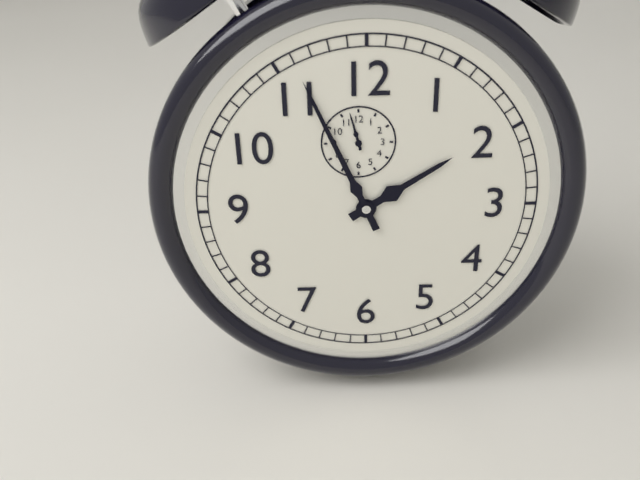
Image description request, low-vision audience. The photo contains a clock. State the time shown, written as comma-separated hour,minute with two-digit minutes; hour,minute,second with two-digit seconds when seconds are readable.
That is 1,56
